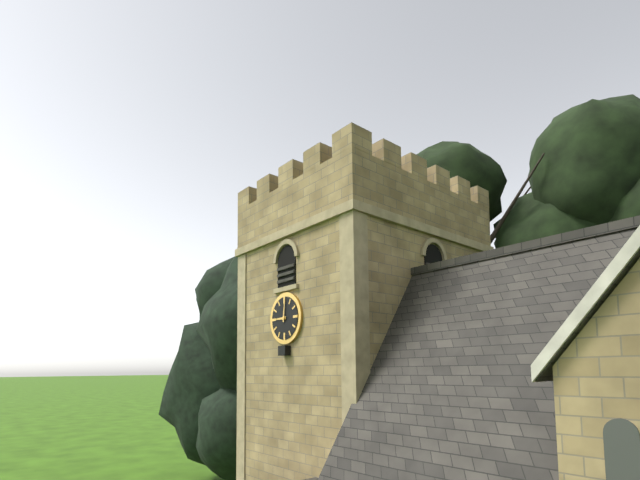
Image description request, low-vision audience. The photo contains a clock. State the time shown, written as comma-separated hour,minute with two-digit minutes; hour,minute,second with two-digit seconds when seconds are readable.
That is 9,01
